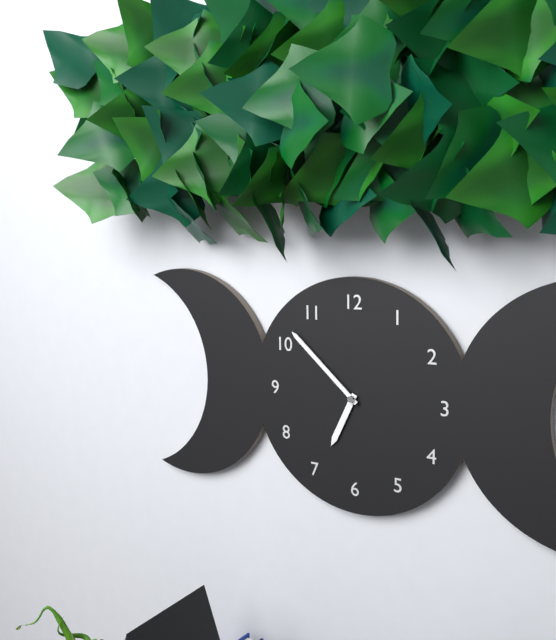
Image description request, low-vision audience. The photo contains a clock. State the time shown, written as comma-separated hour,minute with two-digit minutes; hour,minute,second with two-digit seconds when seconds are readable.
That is 6,52
